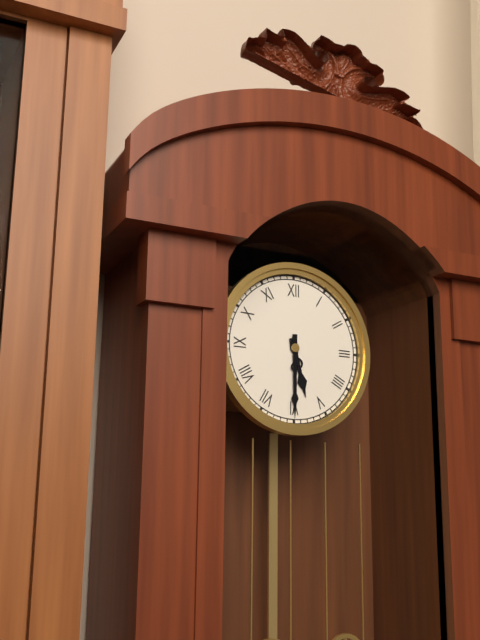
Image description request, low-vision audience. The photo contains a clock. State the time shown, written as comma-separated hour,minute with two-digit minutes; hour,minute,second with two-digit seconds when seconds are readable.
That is 5,30
